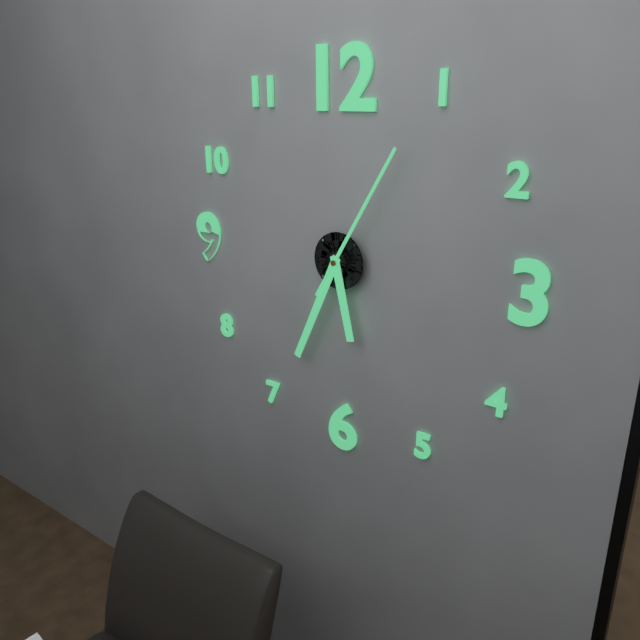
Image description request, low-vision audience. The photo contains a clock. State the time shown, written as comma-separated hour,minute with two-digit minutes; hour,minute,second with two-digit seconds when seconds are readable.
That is 5,34,05
